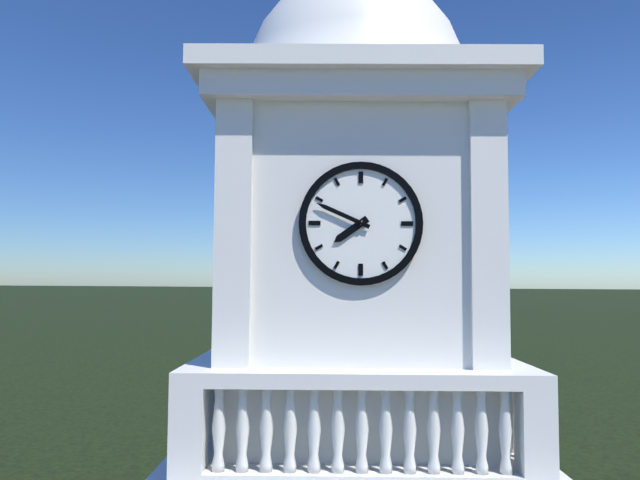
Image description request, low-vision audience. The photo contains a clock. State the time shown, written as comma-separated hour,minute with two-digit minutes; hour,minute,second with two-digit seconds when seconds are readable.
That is 7,49
